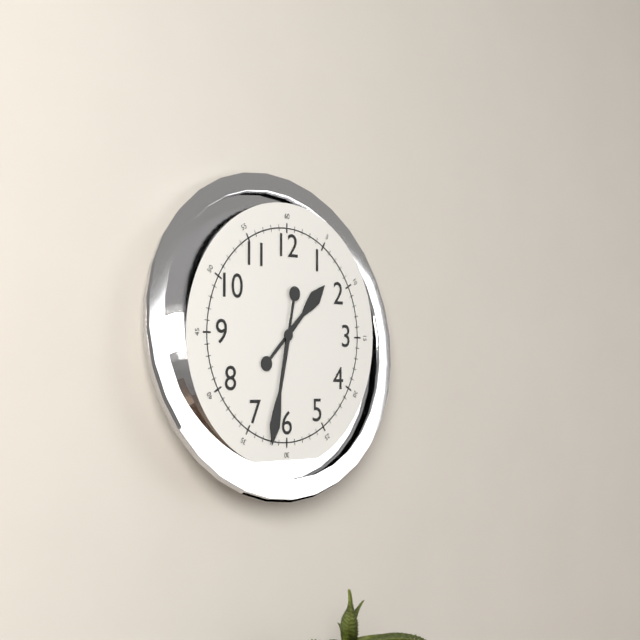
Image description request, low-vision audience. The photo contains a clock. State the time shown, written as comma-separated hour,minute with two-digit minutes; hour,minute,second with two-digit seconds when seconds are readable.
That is 1,32
